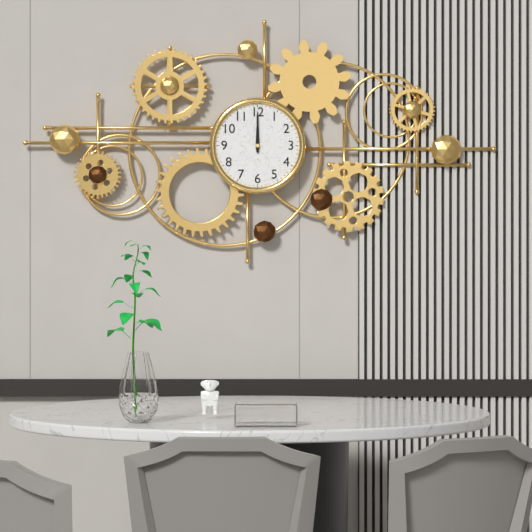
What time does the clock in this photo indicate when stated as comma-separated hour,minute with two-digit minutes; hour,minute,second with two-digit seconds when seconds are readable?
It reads 12,00
